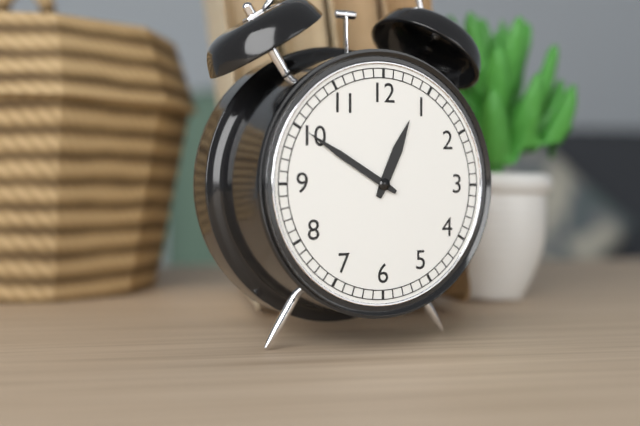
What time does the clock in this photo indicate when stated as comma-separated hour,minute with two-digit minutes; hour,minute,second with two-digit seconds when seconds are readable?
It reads 12,50
